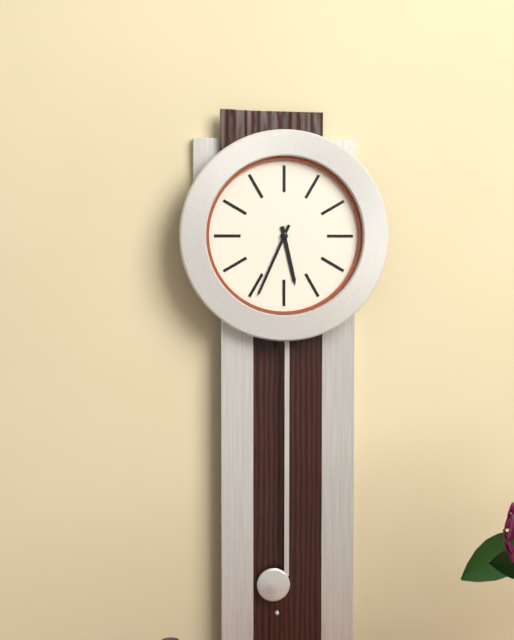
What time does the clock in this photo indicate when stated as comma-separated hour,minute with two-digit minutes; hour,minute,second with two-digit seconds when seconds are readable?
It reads 5,34
